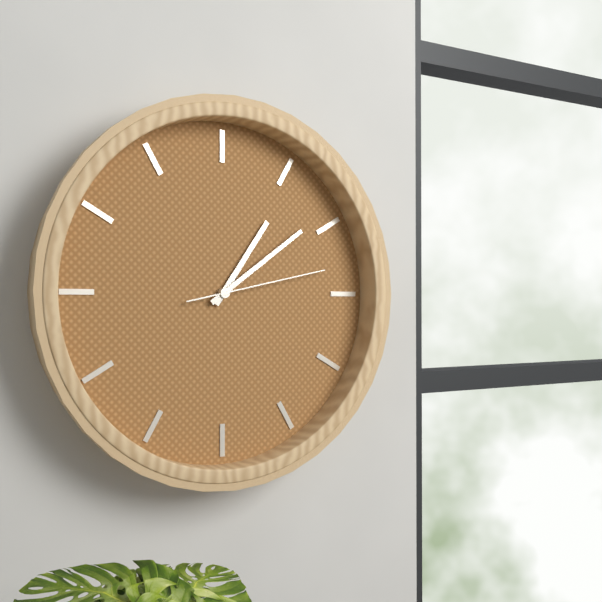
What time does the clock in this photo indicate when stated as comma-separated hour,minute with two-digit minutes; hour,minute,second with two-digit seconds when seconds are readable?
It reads 1,09,13
